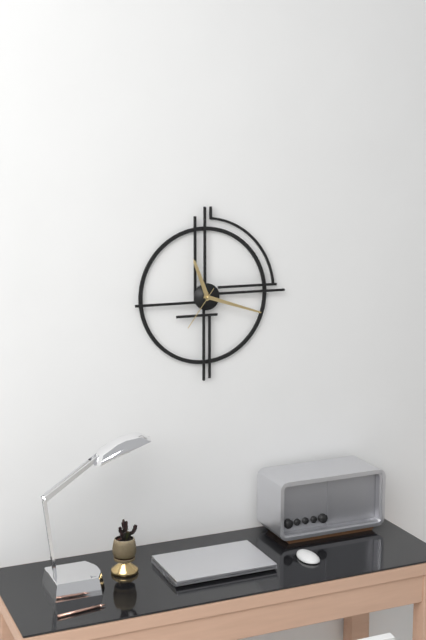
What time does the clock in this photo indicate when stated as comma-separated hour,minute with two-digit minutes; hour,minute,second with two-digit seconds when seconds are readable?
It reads 11,18
